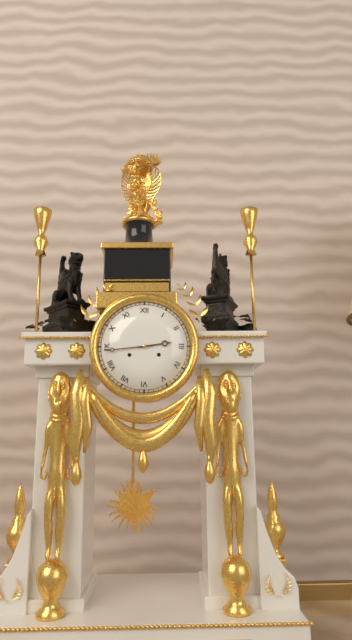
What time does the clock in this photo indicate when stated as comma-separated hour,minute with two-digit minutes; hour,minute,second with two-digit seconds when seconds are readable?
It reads 2,44
